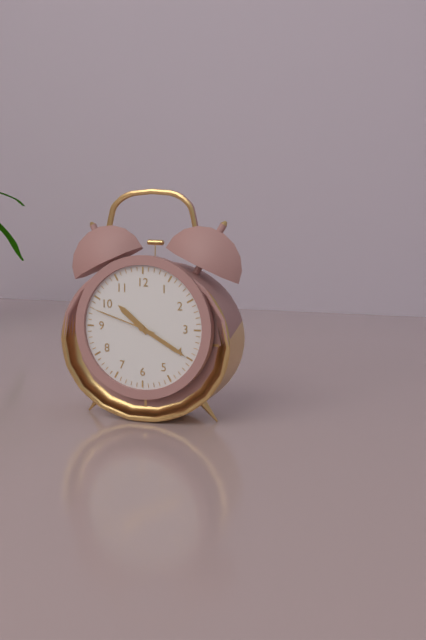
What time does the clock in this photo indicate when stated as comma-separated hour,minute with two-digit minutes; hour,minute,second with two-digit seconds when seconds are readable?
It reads 10,20,48
